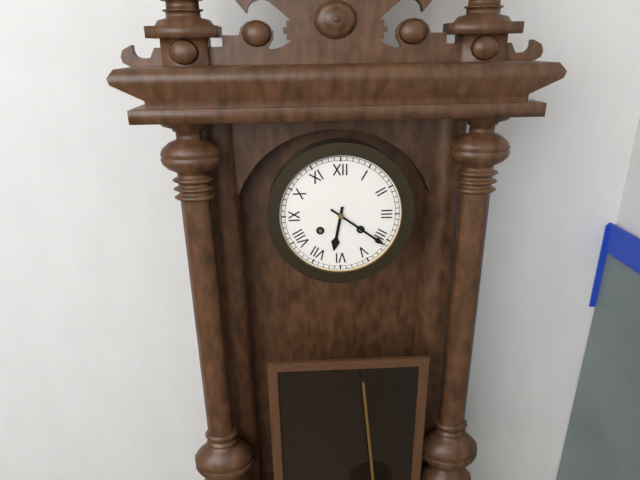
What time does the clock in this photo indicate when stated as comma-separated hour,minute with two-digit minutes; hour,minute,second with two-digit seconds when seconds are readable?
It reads 6,21
